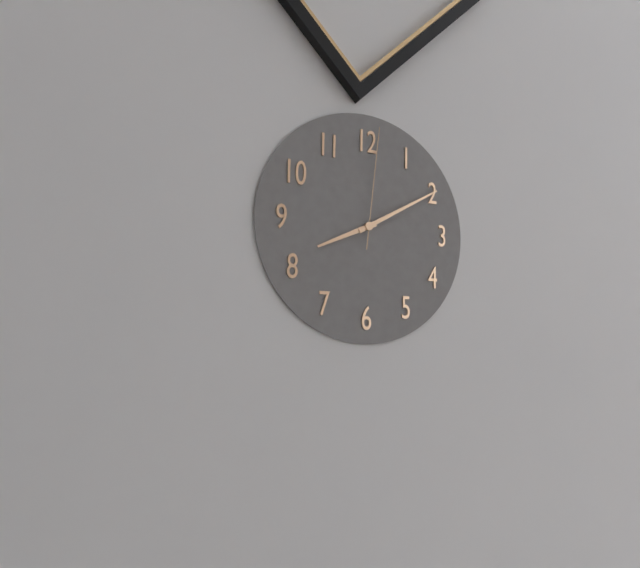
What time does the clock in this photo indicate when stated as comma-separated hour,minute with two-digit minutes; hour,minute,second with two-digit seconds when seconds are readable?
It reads 8,10,01
